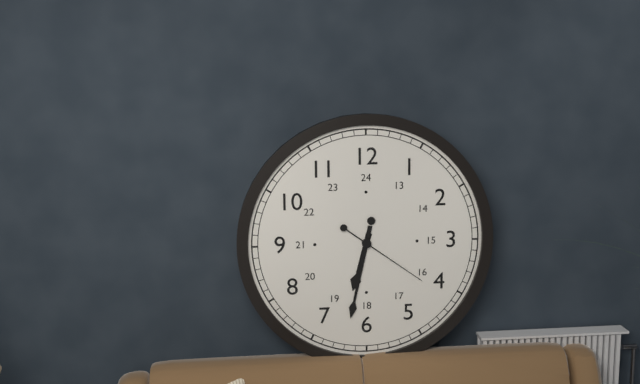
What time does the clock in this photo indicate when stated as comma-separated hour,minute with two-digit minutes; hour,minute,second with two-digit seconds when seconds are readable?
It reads 6,32,21
